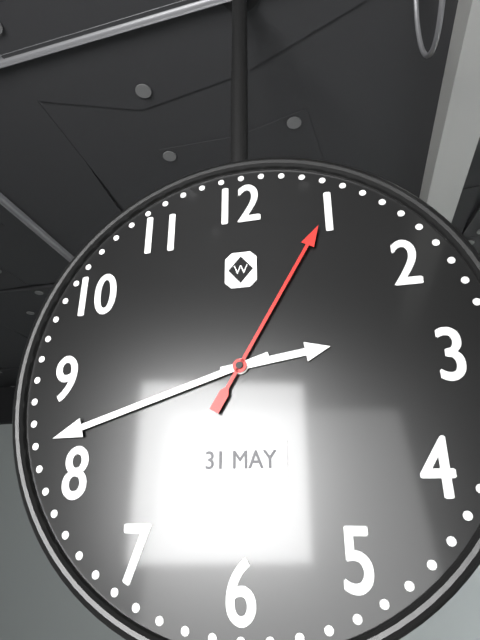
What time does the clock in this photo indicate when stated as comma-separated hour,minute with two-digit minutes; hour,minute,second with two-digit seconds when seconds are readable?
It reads 2,42,05
